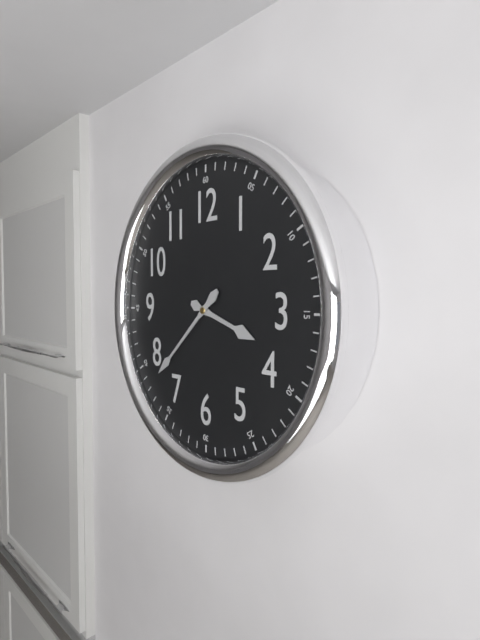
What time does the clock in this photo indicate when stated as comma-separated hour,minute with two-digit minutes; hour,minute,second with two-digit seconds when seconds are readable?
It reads 3,38
